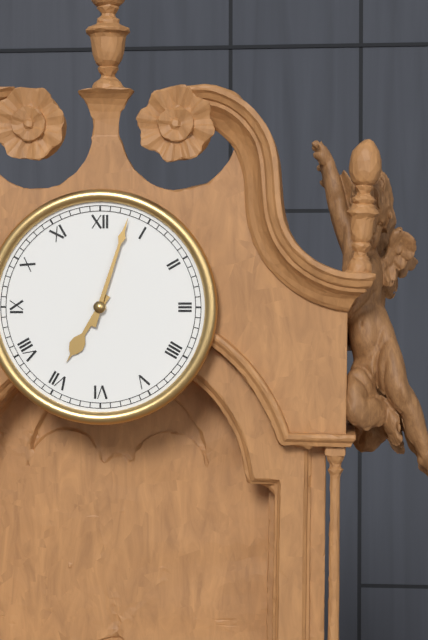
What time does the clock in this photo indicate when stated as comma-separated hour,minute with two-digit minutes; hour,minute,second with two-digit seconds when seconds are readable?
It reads 7,03
